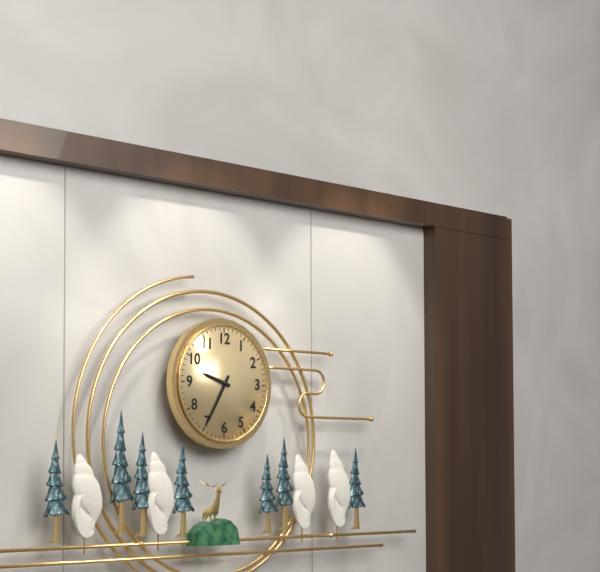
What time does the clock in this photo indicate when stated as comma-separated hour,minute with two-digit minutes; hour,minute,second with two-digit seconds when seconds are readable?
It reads 9,35
